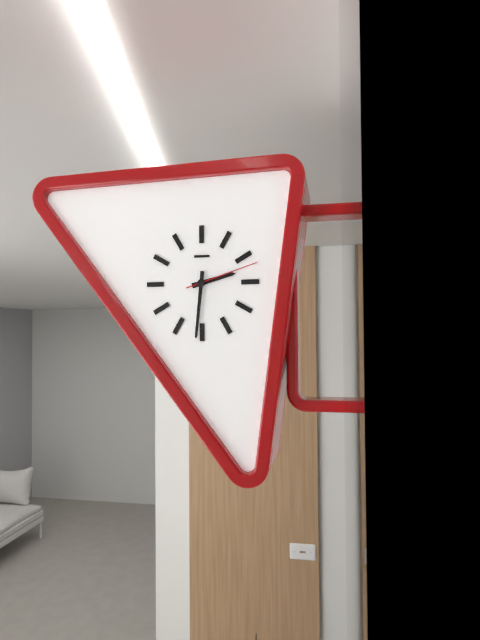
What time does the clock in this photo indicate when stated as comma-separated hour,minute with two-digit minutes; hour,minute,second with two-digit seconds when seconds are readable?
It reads 2,31,12
